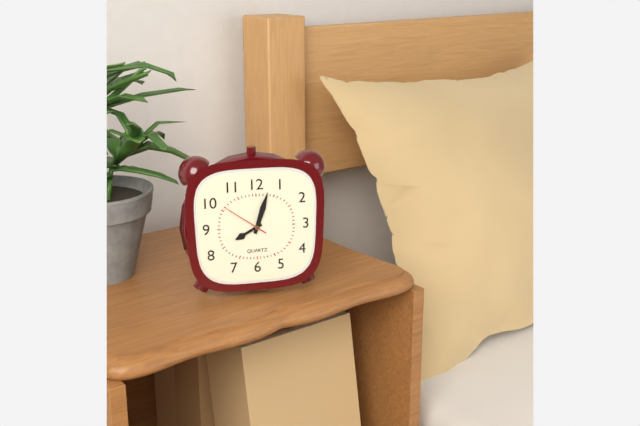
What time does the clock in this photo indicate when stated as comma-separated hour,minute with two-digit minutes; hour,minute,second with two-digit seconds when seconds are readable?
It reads 8,03
